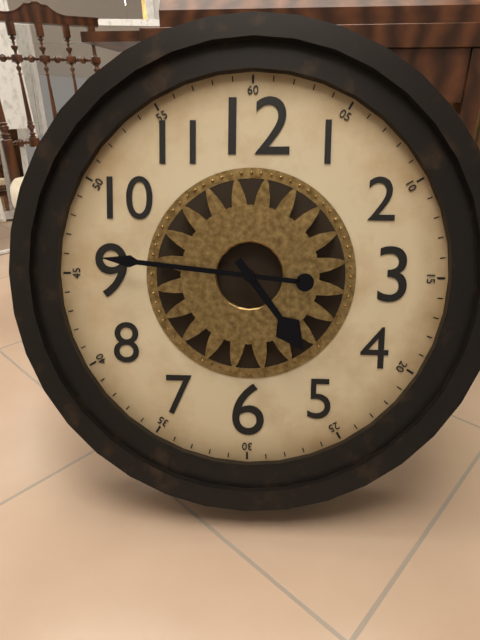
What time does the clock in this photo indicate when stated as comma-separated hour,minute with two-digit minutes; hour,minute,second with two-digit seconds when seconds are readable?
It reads 4,46
